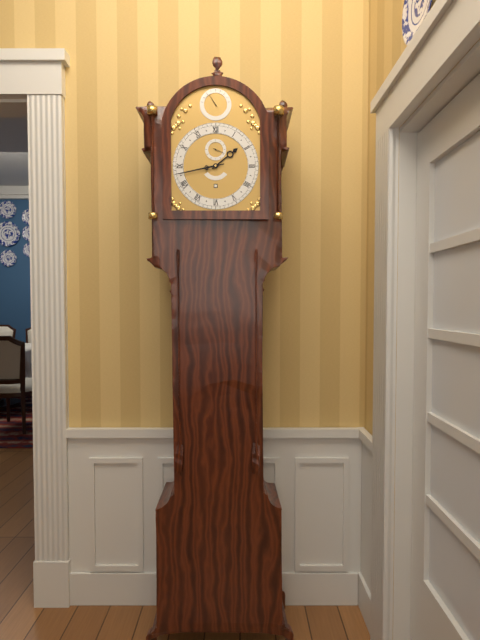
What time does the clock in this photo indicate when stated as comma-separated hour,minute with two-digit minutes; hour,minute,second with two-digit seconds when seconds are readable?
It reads 1,43
